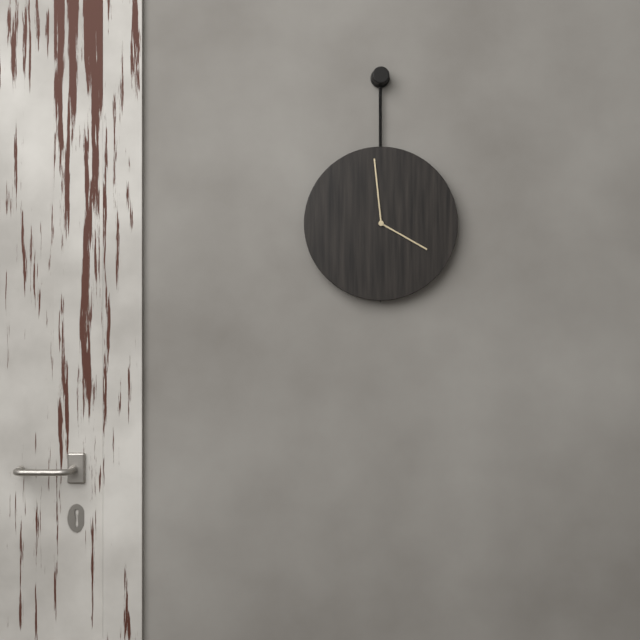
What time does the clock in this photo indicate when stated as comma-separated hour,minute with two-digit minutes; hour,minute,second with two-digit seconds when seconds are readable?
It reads 3,59
